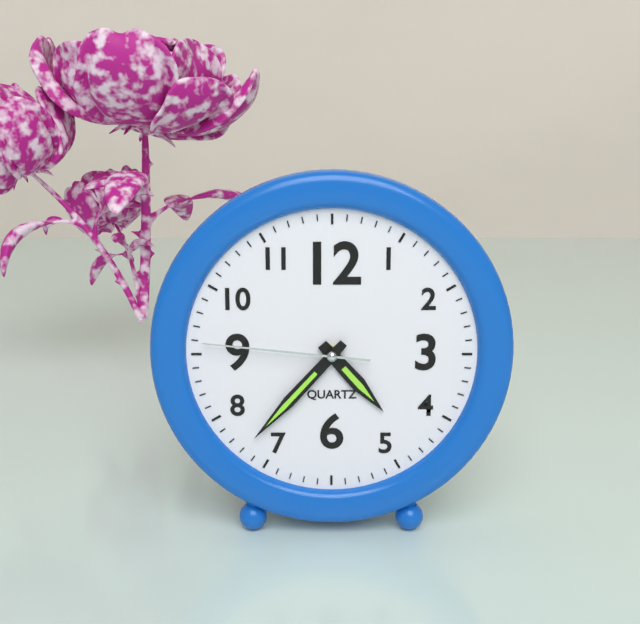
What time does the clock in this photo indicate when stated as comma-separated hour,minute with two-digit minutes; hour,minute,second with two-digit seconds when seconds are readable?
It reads 4,37,46
